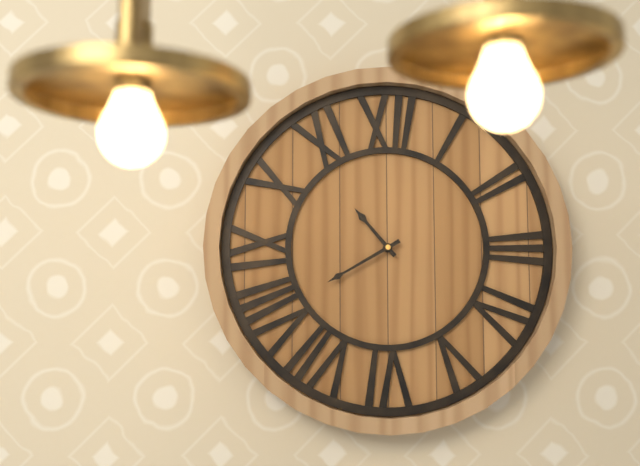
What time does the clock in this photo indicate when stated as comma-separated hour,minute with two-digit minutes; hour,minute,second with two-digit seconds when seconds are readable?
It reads 10,40
